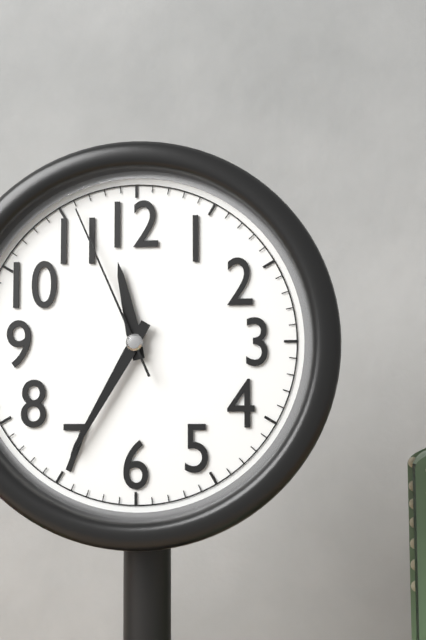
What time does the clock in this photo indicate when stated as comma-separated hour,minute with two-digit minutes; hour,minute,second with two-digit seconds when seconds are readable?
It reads 11,35,56
